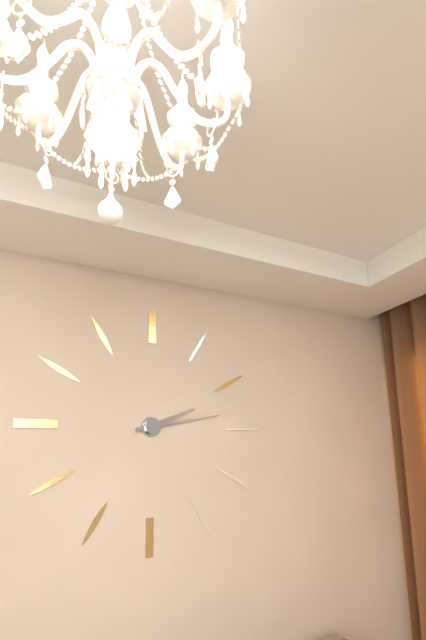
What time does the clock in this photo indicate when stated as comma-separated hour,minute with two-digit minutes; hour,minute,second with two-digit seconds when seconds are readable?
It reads 2,13
